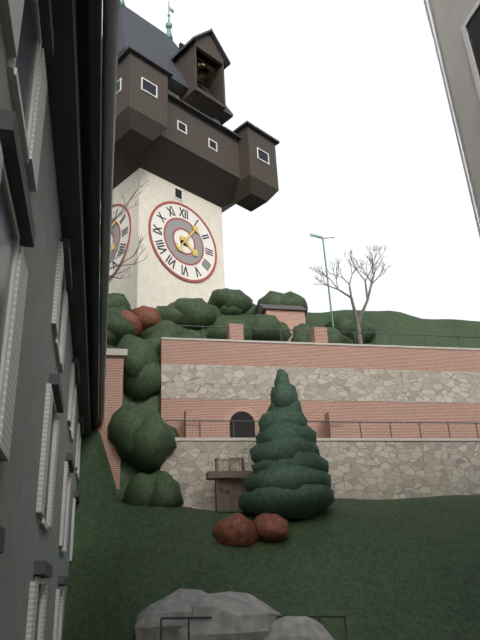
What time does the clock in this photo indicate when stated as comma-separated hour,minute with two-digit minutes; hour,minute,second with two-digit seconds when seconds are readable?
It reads 4,06
